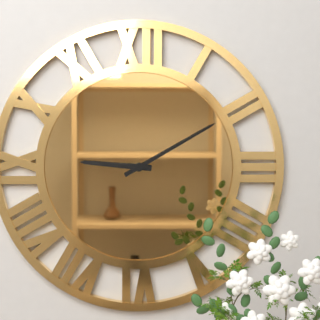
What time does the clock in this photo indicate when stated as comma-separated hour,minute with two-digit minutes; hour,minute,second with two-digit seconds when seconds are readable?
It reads 9,10
